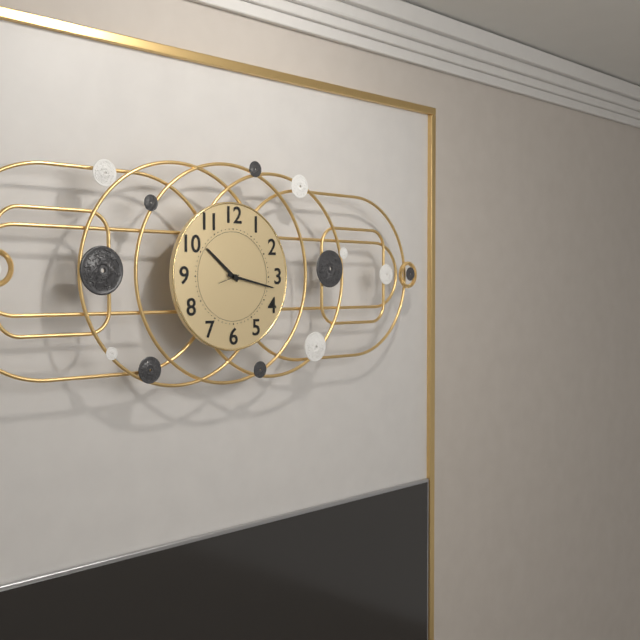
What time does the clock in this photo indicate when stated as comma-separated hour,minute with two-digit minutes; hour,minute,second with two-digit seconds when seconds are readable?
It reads 10,17
